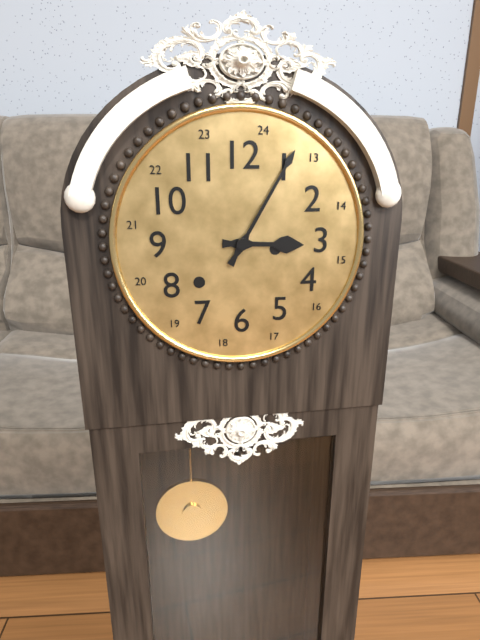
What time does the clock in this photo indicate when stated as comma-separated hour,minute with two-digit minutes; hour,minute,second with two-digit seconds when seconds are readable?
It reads 3,05
